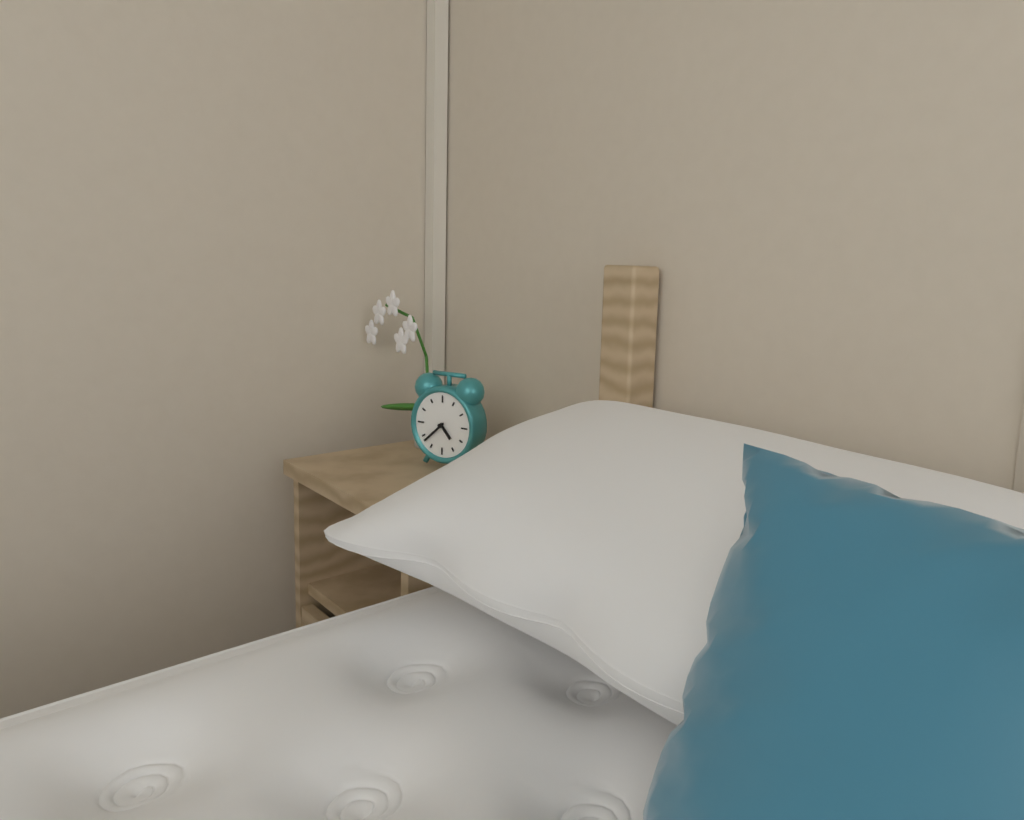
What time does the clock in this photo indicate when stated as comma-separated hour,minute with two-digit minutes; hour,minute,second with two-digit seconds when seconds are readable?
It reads 4,38
